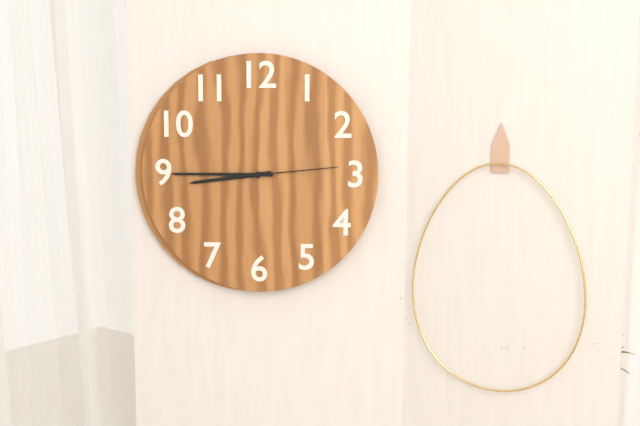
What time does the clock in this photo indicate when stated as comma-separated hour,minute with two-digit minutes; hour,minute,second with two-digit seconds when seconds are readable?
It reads 8,45,14
